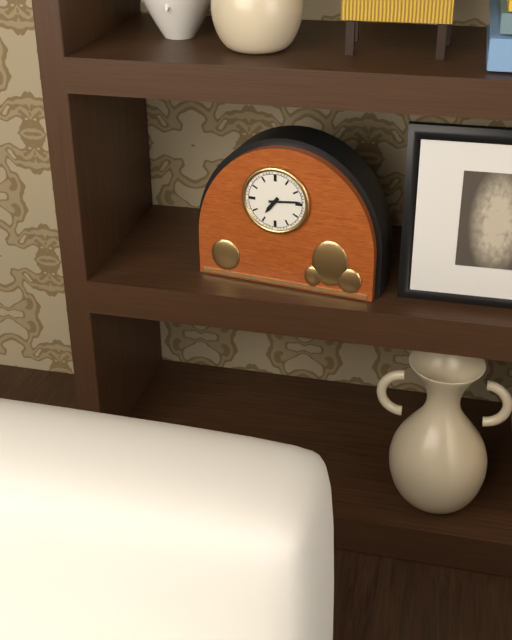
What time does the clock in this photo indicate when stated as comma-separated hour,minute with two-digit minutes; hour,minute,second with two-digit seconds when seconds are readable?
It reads 7,14
